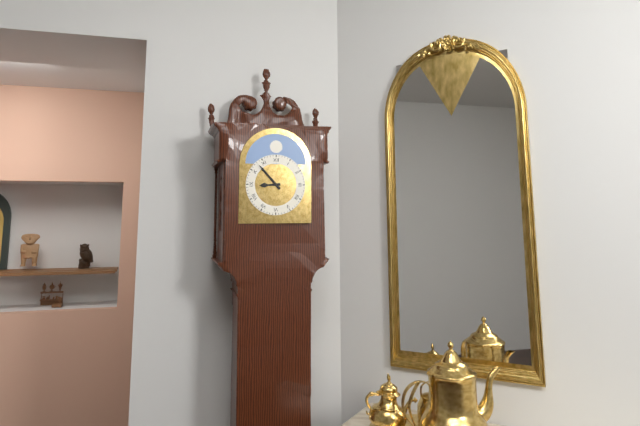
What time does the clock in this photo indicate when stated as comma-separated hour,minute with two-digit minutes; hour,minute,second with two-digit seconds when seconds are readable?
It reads 8,53
